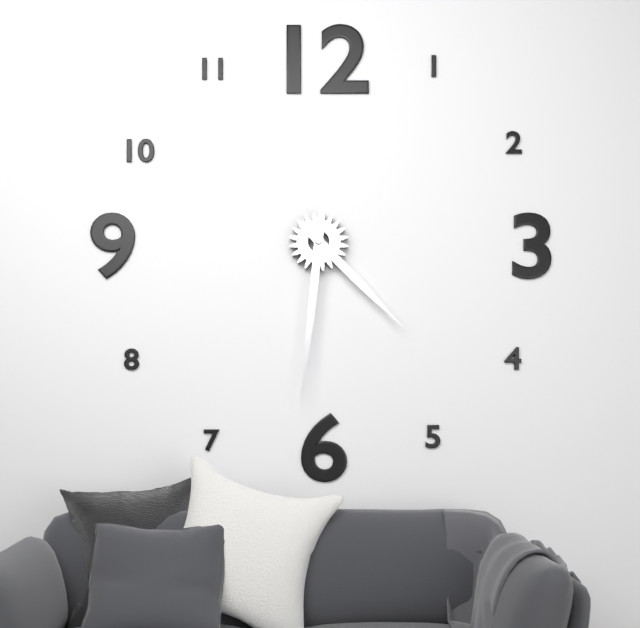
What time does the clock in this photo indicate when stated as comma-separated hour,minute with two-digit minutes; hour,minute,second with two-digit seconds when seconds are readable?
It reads 4,31
